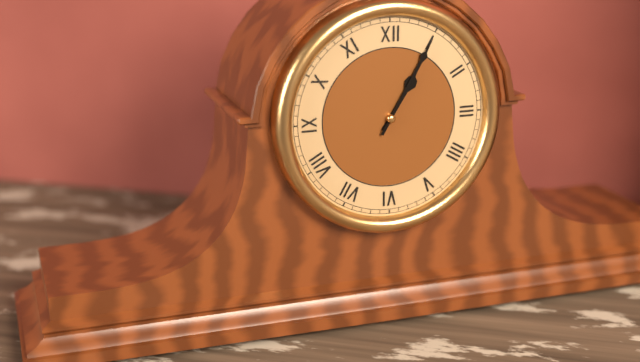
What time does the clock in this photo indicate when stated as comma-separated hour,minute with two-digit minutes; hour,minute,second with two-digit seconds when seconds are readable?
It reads 1,05
